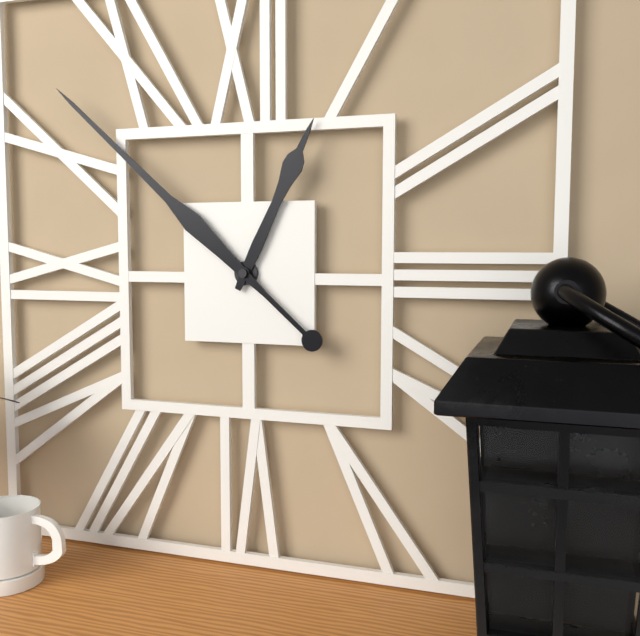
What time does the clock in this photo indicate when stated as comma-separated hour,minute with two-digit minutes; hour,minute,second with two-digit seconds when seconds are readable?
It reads 12,52
